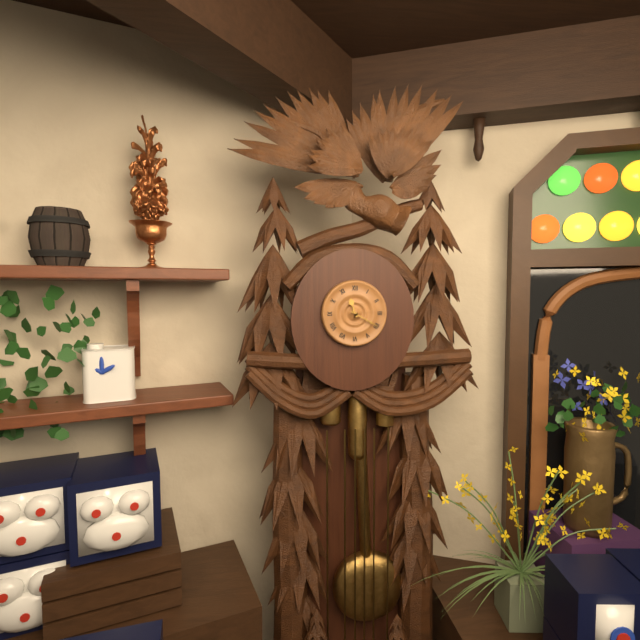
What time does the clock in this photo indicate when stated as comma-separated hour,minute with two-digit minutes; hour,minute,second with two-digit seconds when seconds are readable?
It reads 11,20
